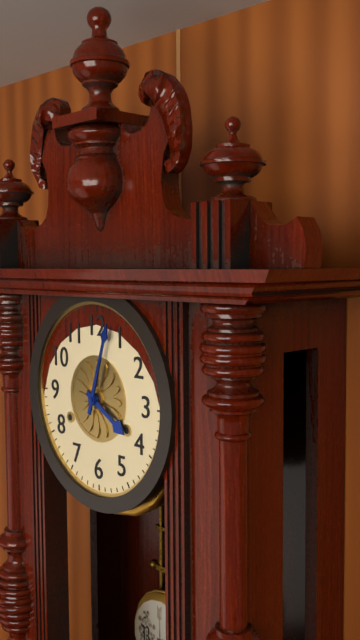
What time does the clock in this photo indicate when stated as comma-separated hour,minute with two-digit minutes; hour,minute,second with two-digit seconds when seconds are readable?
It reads 4,03
